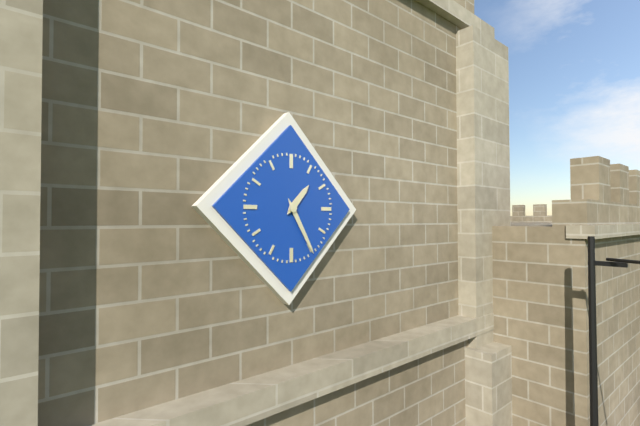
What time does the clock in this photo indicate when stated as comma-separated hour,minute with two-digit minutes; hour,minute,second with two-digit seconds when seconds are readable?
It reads 1,25
